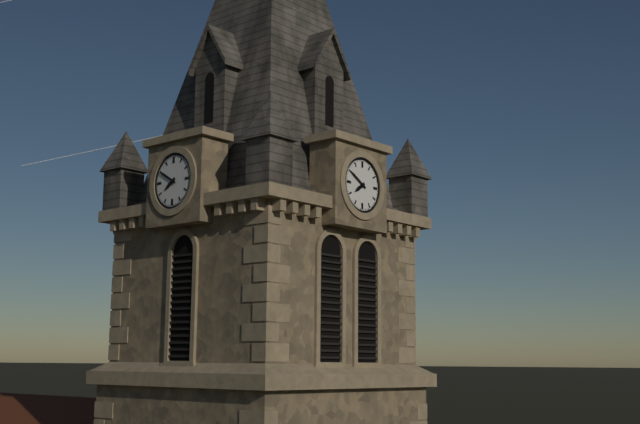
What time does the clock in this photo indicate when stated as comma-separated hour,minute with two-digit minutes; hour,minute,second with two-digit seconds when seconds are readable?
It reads 7,50
